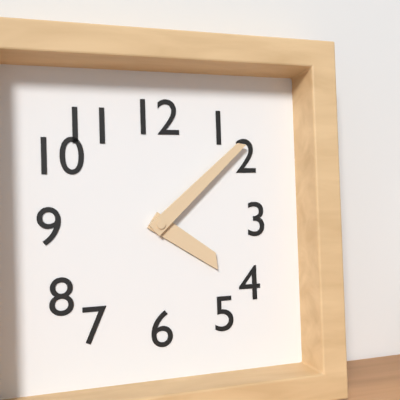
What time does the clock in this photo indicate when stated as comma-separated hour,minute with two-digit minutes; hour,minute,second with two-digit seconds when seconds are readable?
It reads 4,08
